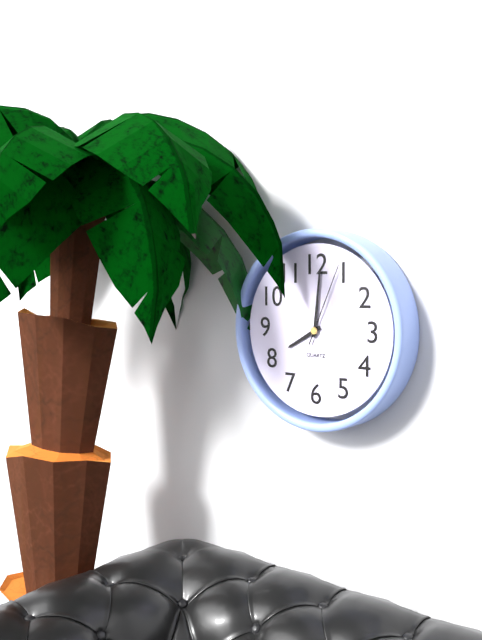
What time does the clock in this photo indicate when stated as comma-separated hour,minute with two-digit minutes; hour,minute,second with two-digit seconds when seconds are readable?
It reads 8,01,04
